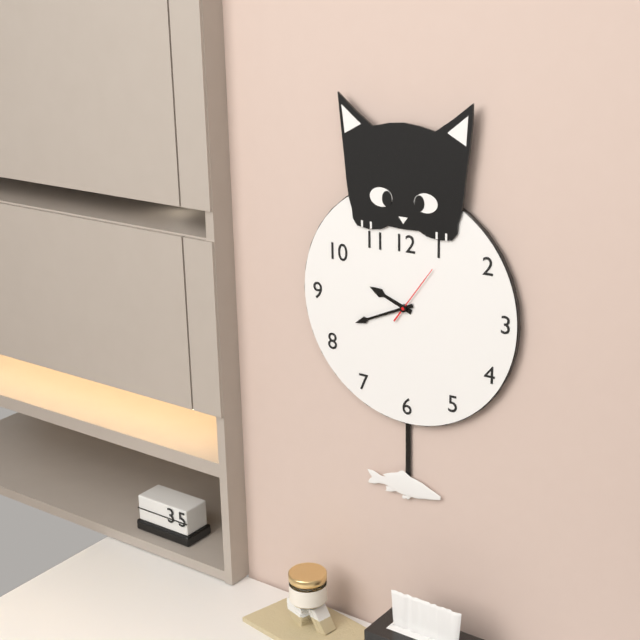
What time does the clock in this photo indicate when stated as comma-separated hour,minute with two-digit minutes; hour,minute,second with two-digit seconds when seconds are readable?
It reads 9,41,06
